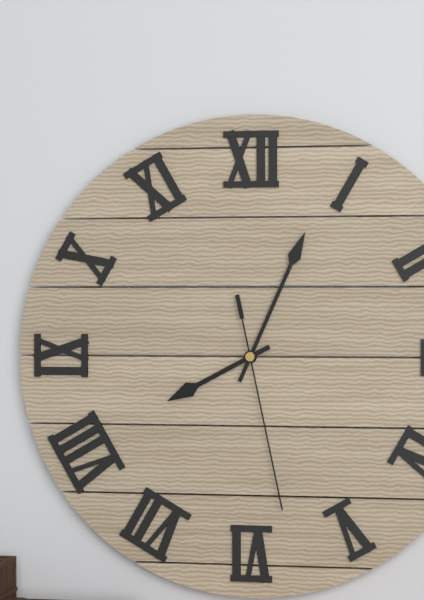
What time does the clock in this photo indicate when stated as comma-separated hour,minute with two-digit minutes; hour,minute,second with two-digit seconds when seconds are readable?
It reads 8,04,28
